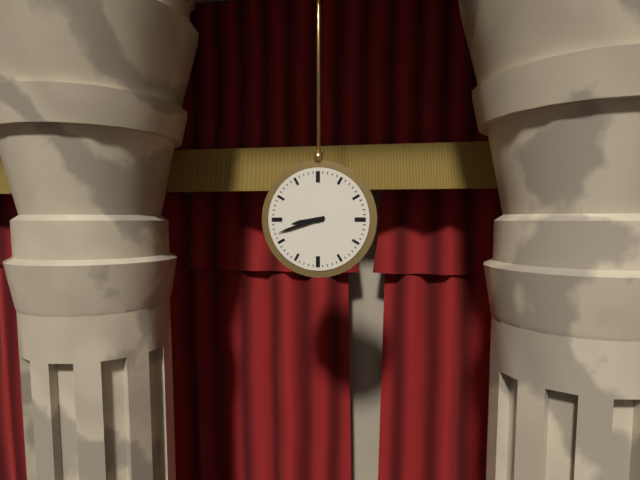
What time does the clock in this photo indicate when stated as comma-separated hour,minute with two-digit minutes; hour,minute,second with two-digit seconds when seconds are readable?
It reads 8,42
